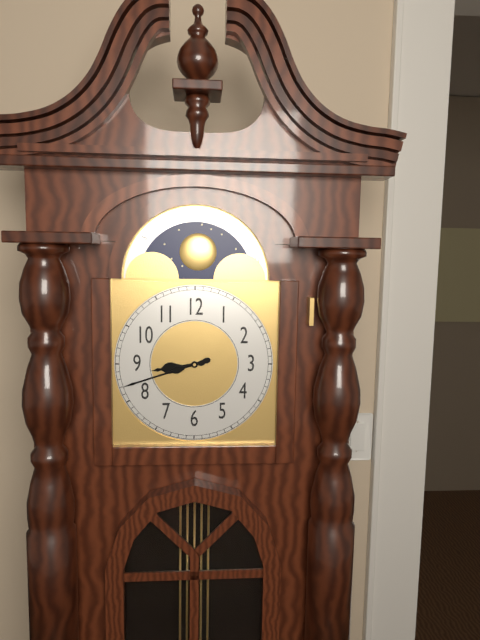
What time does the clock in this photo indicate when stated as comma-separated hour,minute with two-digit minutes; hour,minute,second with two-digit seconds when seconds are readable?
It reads 8,42
